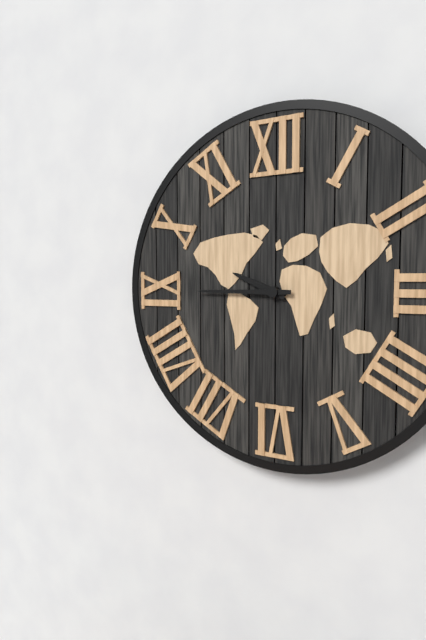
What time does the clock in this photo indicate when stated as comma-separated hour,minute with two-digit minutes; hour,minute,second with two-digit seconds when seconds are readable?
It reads 9,45
